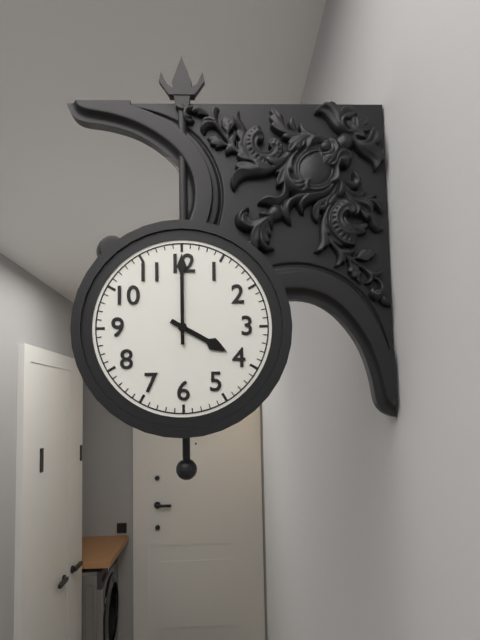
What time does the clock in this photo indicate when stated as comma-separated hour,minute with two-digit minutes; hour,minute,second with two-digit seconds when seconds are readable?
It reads 4,00
